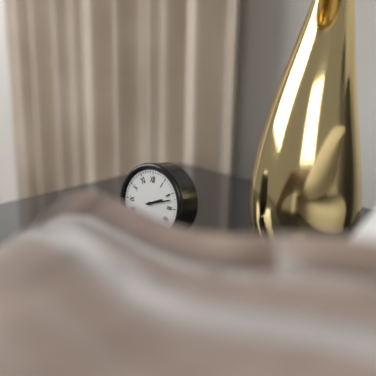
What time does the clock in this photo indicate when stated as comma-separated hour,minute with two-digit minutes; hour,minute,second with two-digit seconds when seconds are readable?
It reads 2,12
